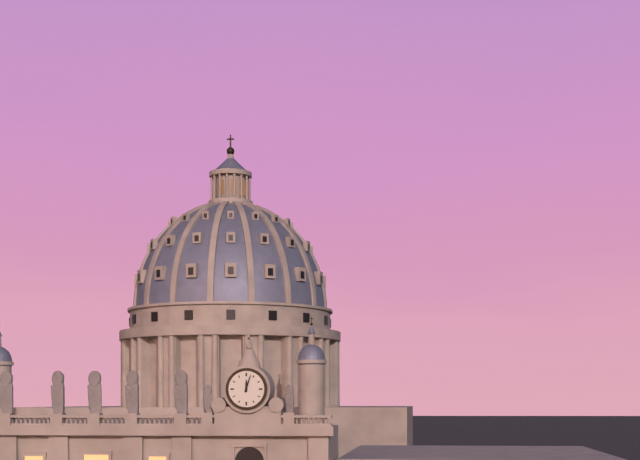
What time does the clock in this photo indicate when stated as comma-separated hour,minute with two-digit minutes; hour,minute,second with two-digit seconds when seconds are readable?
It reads 12,03
